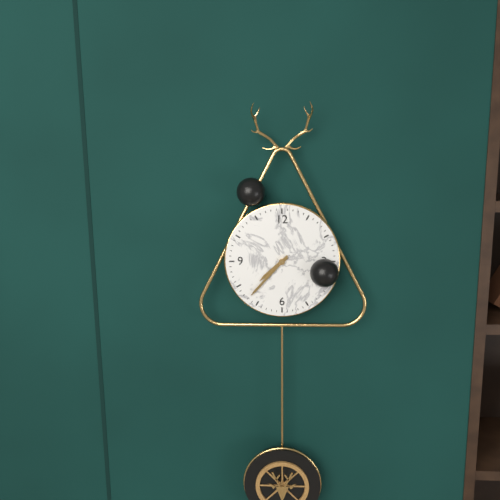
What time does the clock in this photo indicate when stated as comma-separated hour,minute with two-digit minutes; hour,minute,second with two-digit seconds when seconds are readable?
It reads 7,37
